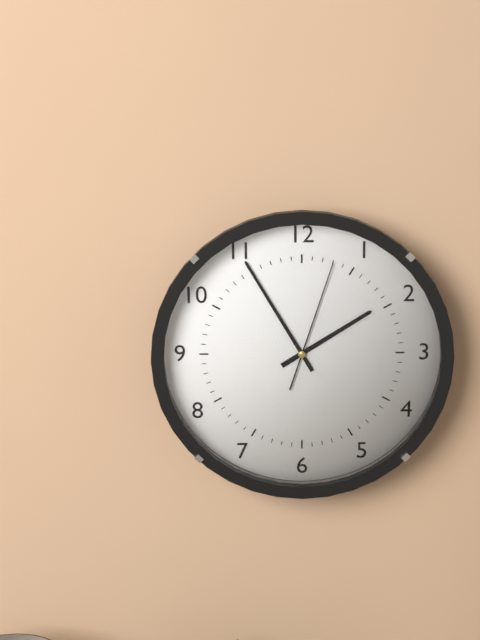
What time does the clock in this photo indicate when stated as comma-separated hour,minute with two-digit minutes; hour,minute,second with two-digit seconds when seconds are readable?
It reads 1,55,03
